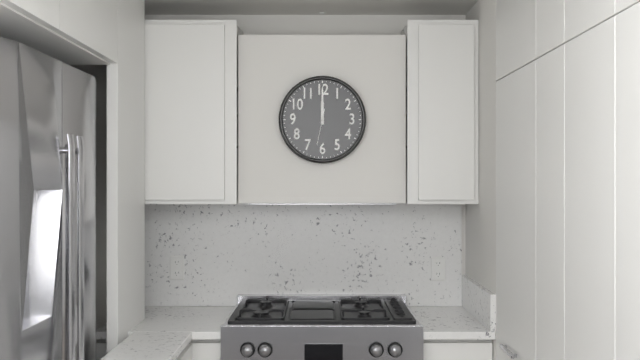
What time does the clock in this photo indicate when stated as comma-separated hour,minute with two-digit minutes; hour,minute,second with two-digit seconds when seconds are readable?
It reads 12,00
